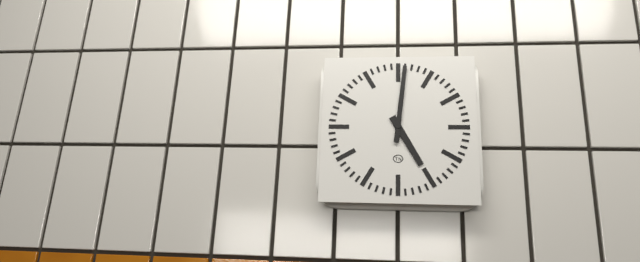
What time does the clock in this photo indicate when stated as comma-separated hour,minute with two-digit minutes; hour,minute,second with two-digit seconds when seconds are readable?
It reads 5,01
